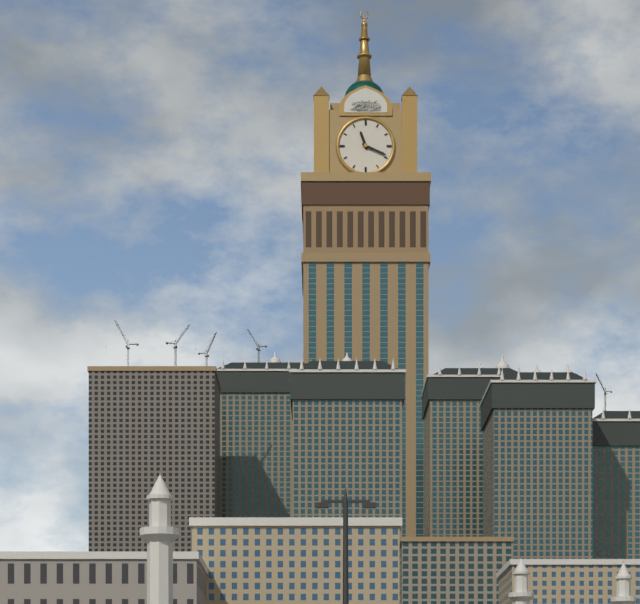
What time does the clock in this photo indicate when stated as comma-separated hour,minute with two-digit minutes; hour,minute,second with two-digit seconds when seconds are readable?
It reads 11,19
